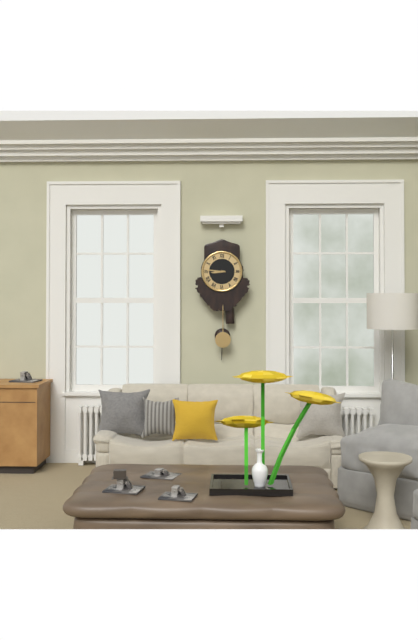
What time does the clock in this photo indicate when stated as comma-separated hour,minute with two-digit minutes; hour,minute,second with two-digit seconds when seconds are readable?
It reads 8,46
